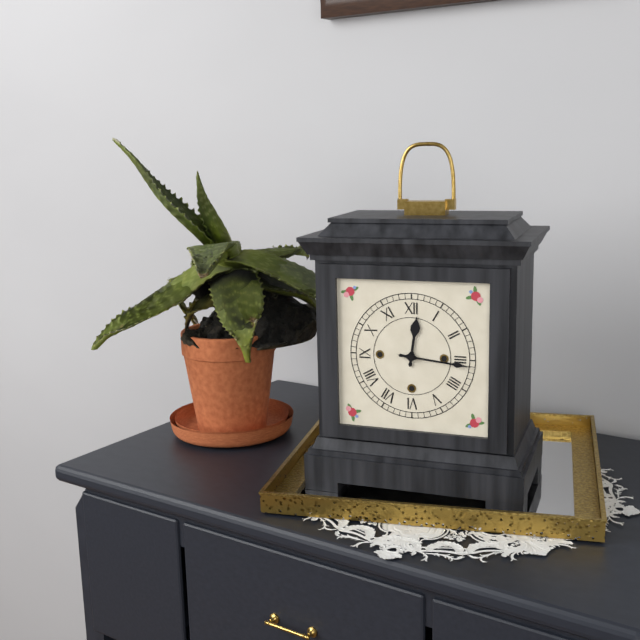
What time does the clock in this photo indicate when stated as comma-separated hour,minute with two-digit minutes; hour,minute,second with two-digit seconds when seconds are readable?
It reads 12,16
